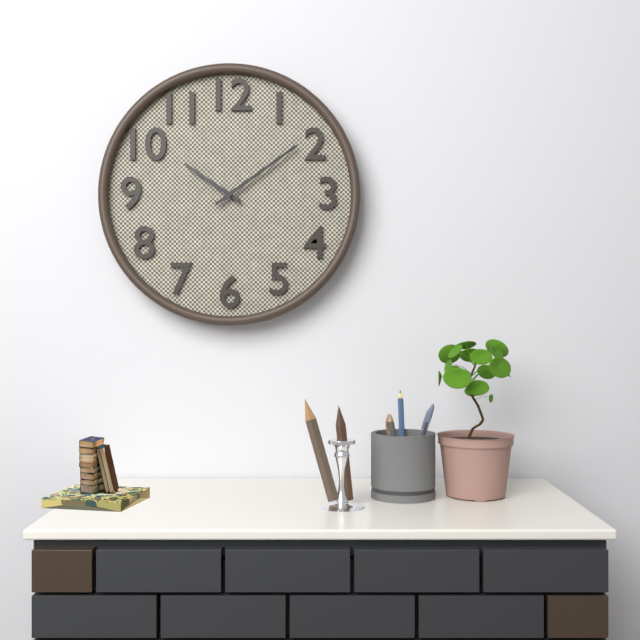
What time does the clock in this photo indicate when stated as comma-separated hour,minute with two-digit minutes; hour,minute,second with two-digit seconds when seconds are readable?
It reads 10,09
